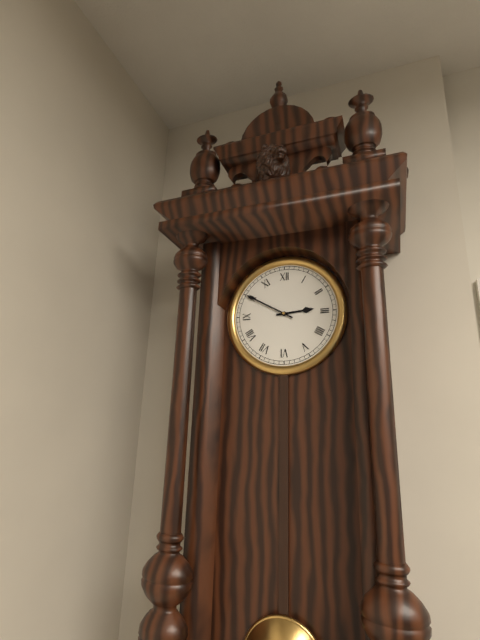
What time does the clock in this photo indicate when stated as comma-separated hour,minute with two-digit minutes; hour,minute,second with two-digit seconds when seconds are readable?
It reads 2,50
